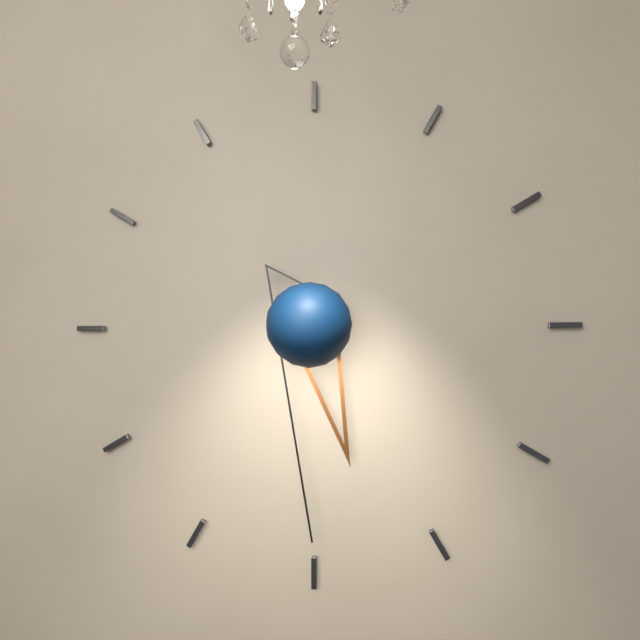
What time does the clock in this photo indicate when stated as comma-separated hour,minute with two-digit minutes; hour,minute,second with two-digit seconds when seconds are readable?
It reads 5,30
